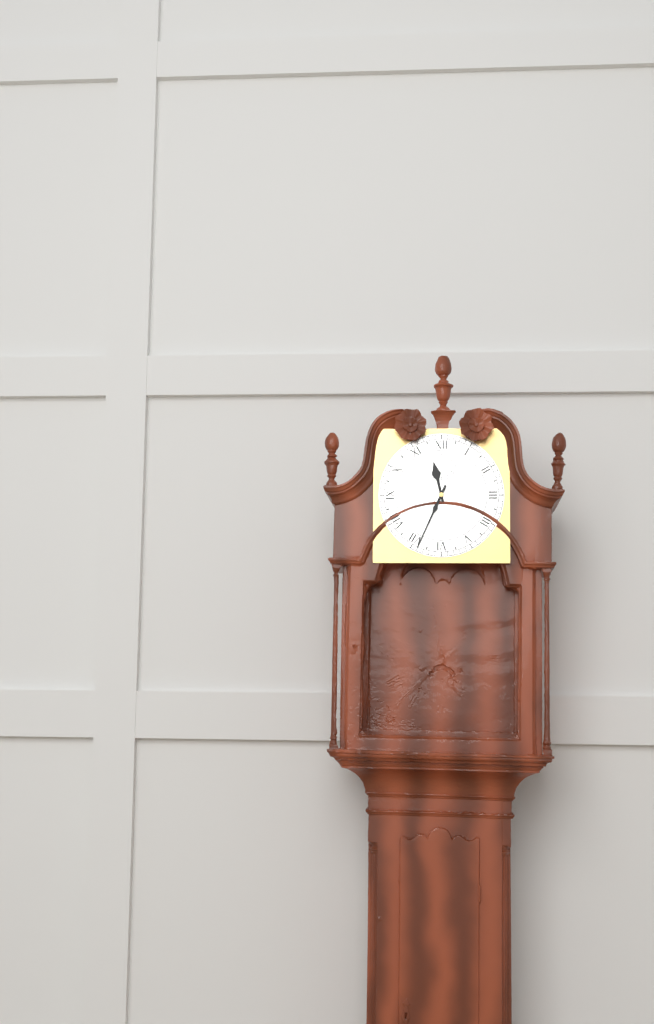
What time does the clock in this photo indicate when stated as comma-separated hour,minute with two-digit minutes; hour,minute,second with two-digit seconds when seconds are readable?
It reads 11,34
